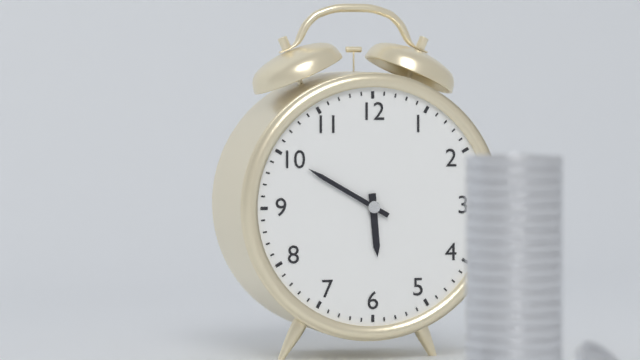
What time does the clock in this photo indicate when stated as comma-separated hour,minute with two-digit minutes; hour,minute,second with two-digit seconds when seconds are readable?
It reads 5,50
